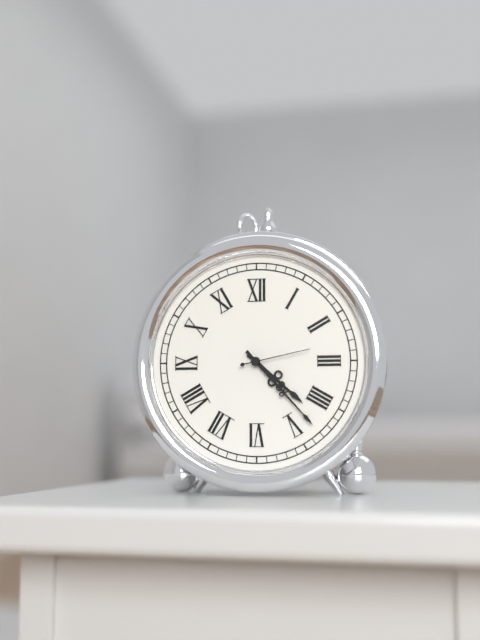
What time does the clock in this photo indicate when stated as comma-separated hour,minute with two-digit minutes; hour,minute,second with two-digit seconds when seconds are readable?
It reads 4,23,13
